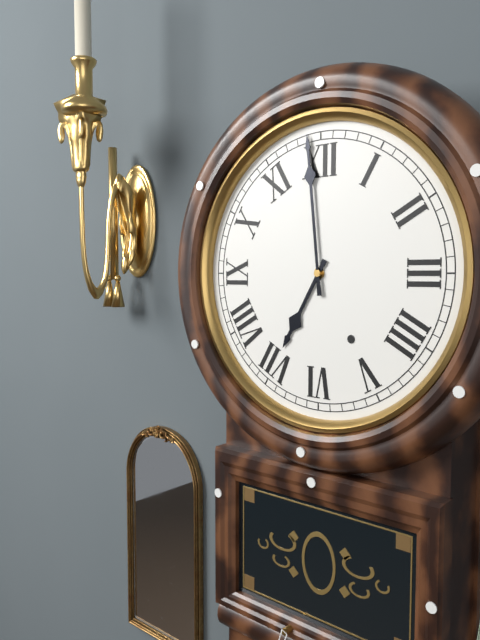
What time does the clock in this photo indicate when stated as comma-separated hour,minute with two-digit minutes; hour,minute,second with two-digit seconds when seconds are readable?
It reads 6,59
